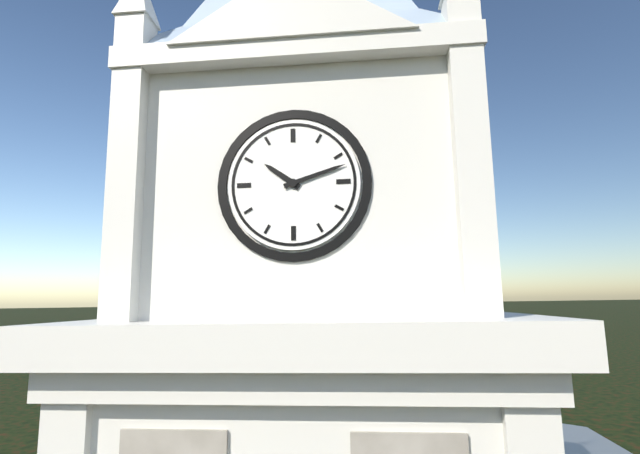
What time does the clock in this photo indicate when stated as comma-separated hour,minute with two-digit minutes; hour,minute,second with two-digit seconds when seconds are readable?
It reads 10,12
